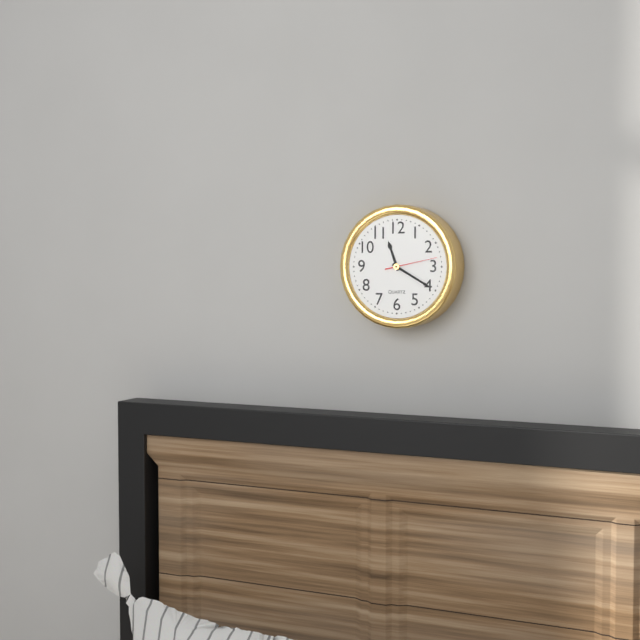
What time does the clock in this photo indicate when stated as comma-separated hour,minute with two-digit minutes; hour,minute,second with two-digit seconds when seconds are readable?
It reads 11,20,13
